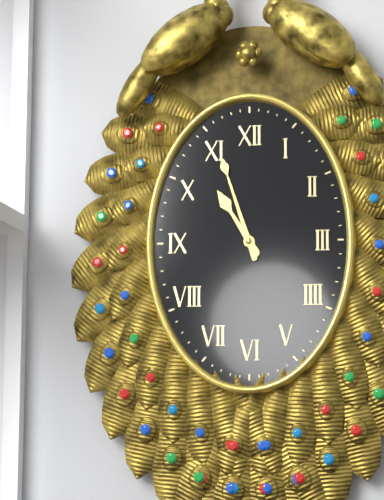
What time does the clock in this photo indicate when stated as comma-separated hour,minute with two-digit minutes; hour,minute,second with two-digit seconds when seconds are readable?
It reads 10,57
